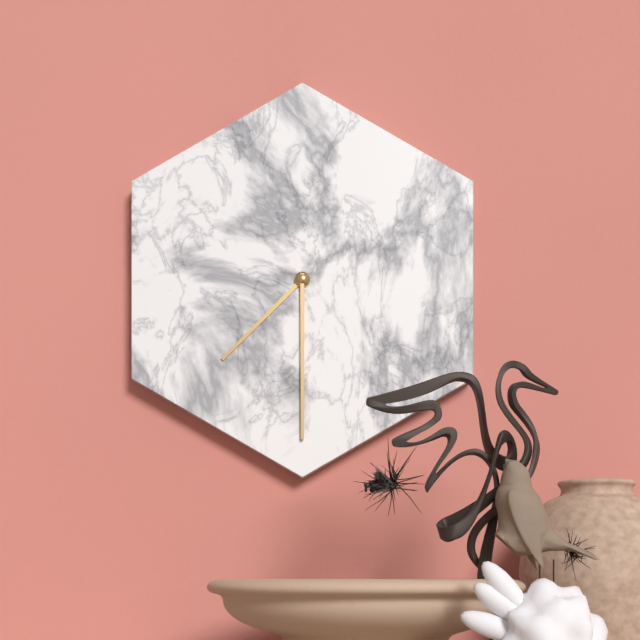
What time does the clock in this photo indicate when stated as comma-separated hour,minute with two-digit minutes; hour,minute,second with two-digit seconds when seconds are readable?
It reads 7,30
